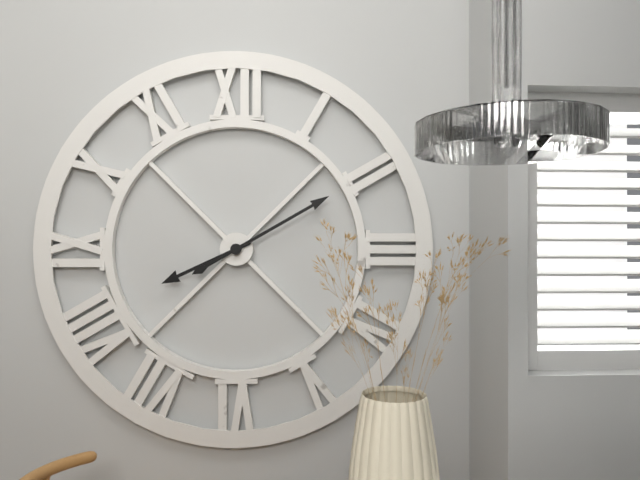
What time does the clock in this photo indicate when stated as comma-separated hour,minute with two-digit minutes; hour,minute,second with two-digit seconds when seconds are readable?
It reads 8,10
